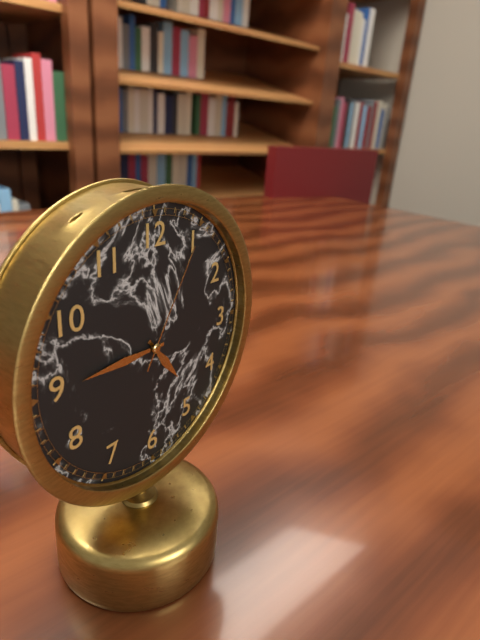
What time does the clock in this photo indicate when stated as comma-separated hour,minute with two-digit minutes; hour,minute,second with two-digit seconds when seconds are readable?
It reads 4,45,05
